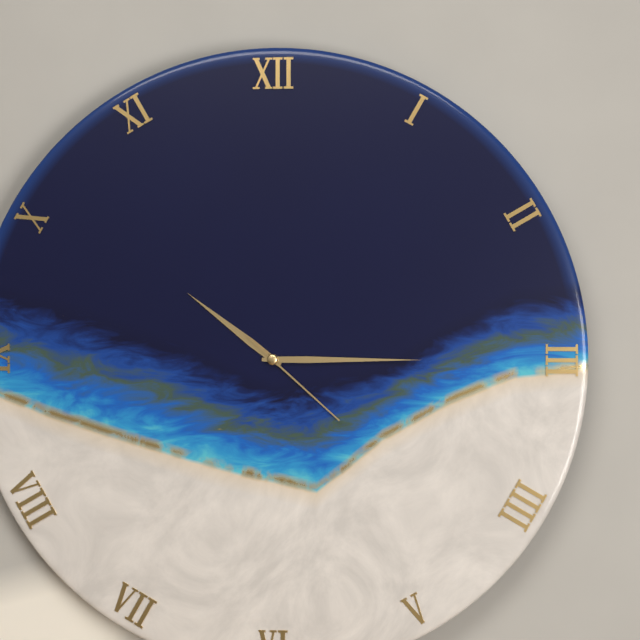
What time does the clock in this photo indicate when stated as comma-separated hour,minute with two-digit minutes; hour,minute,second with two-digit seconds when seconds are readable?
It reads 10,15,22
